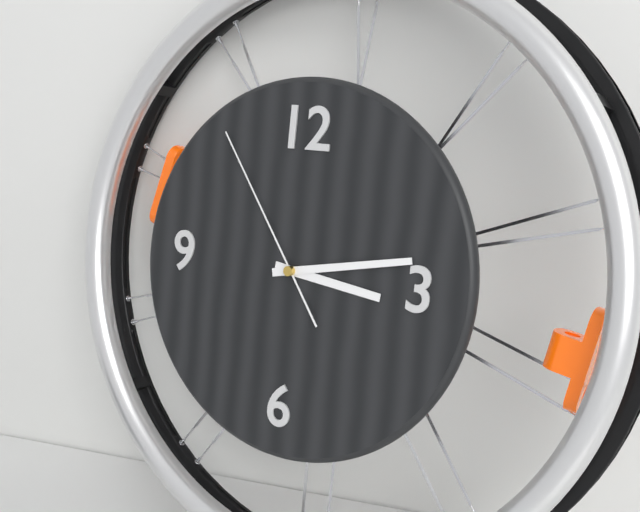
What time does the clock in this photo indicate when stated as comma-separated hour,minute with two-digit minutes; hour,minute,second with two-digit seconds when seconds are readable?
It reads 3,13,54
